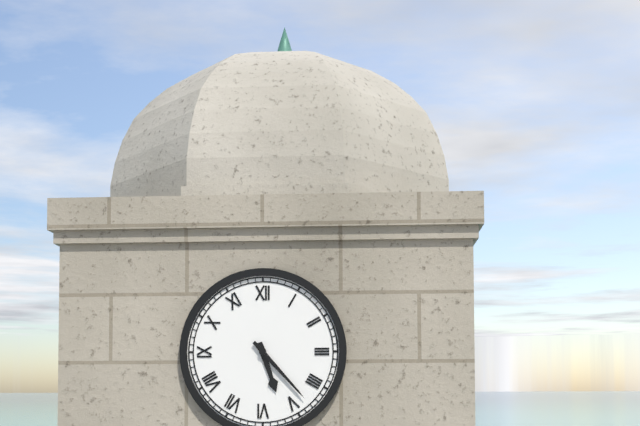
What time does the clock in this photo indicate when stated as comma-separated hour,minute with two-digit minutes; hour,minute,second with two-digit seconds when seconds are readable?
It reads 5,23
